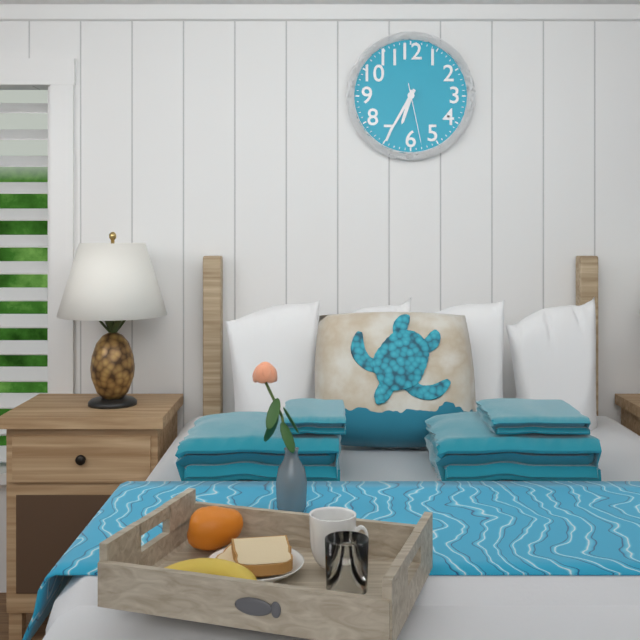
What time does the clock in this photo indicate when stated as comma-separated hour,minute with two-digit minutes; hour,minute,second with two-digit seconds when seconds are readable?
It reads 6,35,28
